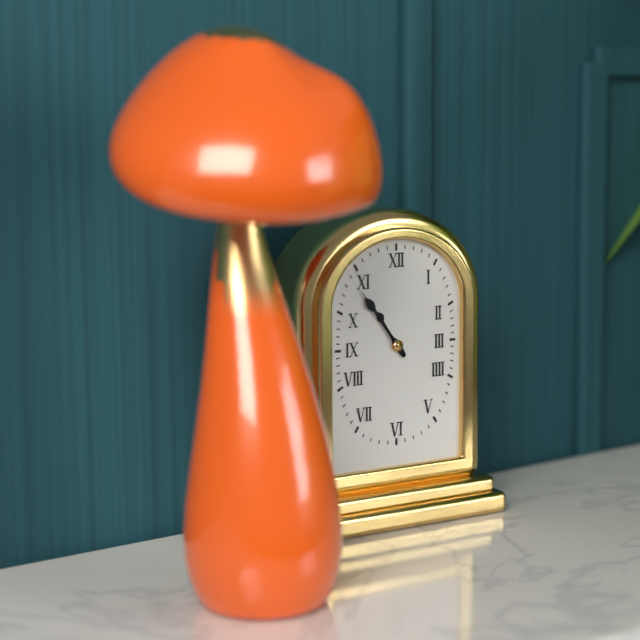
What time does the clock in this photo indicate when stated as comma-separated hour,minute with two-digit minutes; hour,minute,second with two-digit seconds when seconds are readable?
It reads 10,54
